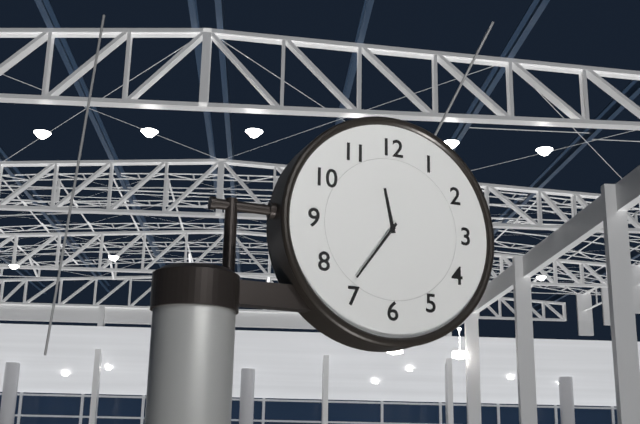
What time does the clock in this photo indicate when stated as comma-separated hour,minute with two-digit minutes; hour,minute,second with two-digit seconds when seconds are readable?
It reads 11,36
